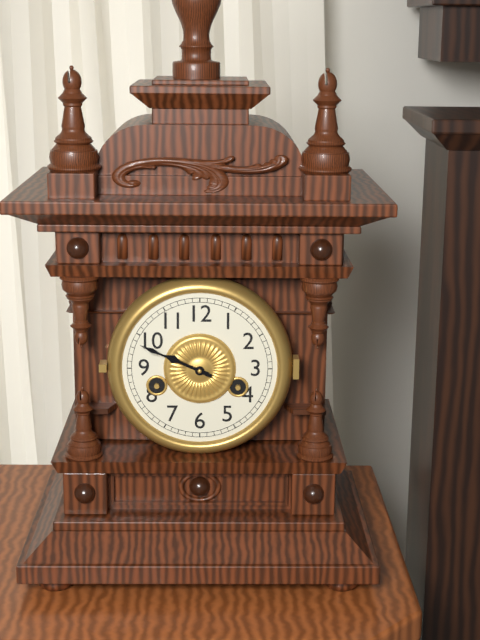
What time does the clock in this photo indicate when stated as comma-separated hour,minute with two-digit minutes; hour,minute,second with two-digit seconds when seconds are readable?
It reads 9,49
